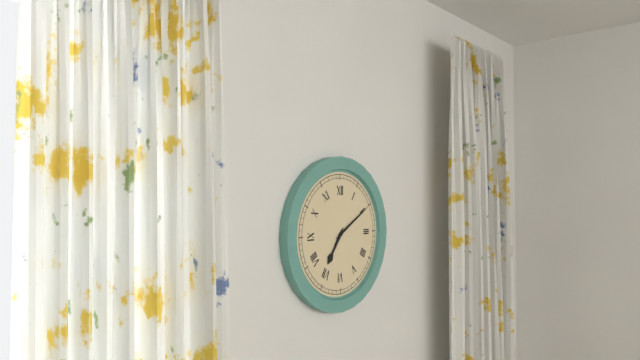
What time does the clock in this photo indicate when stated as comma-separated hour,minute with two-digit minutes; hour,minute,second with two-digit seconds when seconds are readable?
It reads 7,10
